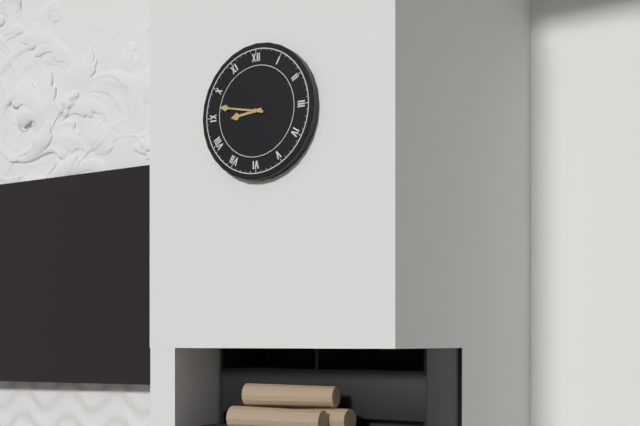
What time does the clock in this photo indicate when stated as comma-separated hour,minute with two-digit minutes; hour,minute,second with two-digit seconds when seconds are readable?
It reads 8,47
